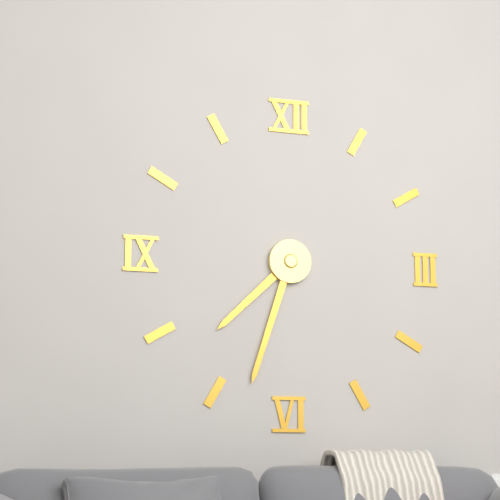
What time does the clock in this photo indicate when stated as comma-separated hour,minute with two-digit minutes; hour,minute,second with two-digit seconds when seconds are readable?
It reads 7,33
